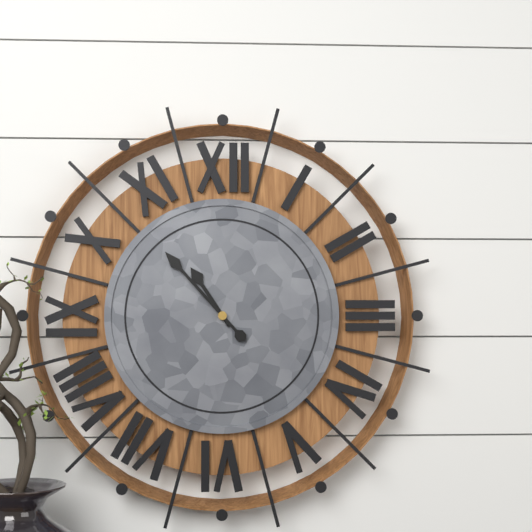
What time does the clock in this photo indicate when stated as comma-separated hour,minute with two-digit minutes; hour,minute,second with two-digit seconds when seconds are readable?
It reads 10,53
